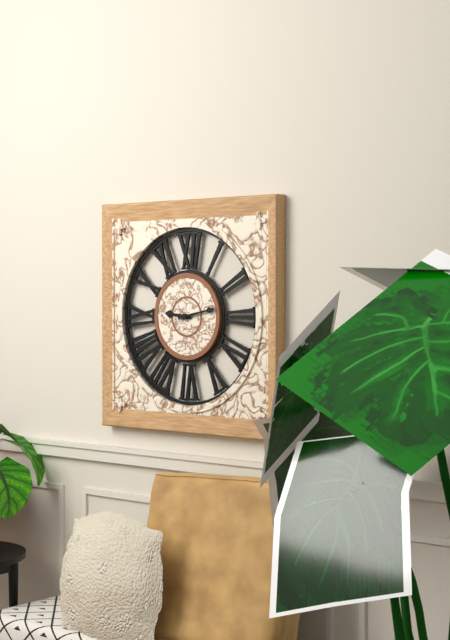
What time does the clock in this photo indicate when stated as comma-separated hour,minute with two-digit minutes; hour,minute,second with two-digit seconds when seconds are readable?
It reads 9,13
